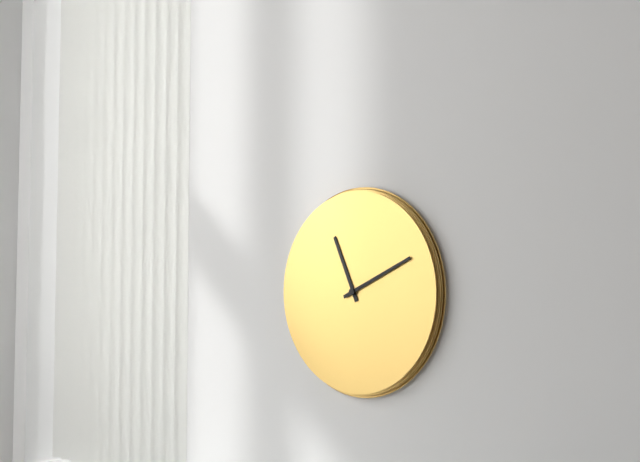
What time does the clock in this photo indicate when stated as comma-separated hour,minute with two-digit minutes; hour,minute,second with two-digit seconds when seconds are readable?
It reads 11,11
